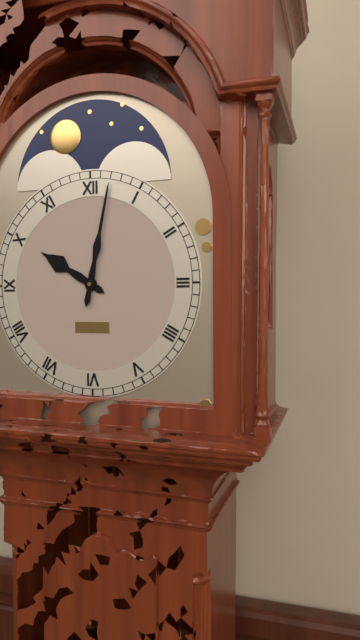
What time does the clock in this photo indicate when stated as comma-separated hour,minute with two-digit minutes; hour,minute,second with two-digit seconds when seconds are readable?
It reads 10,02
